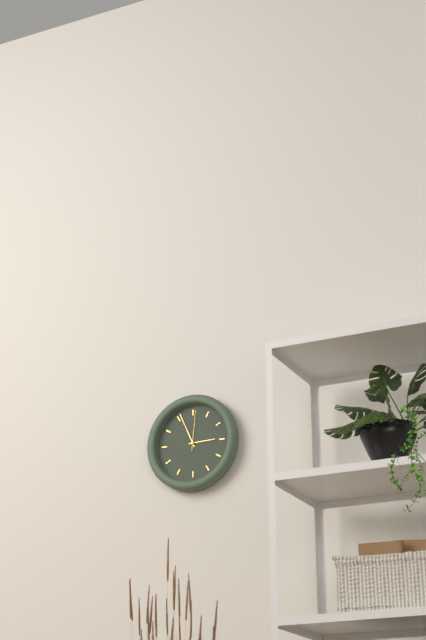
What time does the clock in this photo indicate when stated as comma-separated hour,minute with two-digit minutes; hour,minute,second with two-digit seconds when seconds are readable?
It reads 2,56
